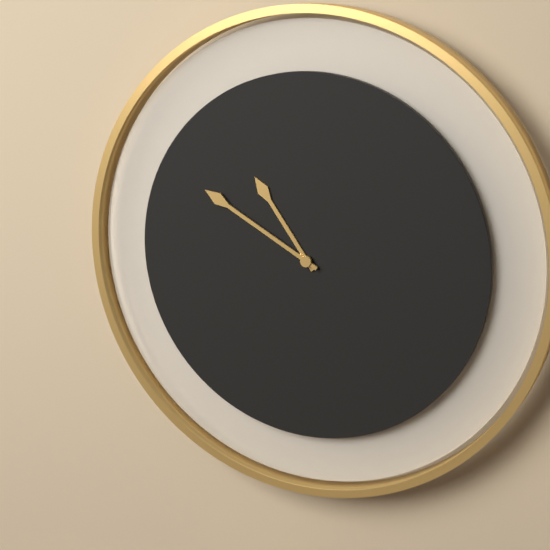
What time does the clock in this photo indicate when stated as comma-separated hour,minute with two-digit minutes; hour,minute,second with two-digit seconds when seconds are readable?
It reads 10,50
